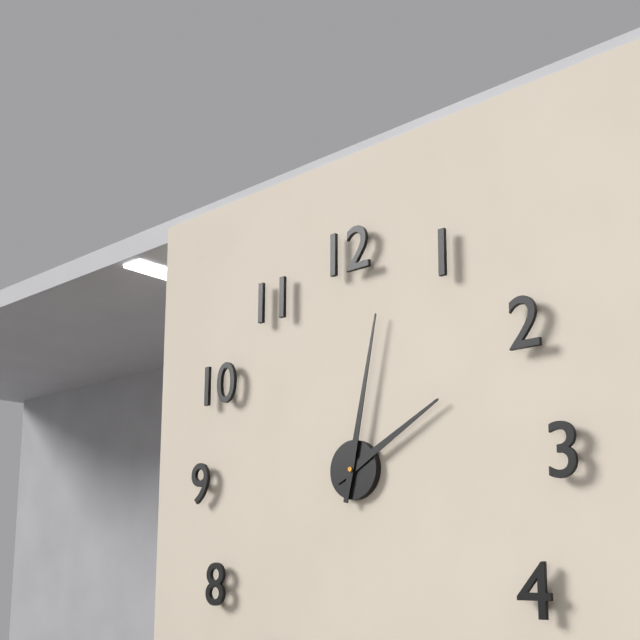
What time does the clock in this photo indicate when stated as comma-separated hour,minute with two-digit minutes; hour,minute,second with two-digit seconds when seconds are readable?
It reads 2,02
